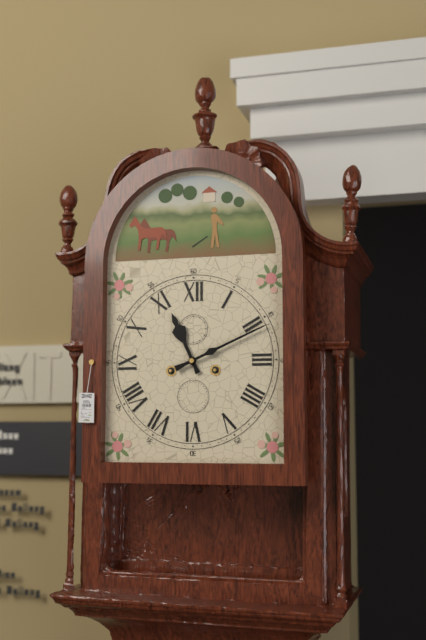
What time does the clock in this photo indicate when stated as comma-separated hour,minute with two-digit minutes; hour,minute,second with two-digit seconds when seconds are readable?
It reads 11,11
